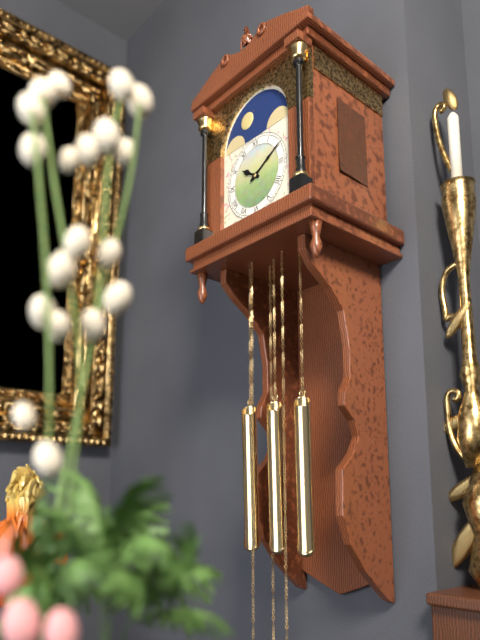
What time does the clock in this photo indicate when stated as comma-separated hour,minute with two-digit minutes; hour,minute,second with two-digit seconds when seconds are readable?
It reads 10,10
